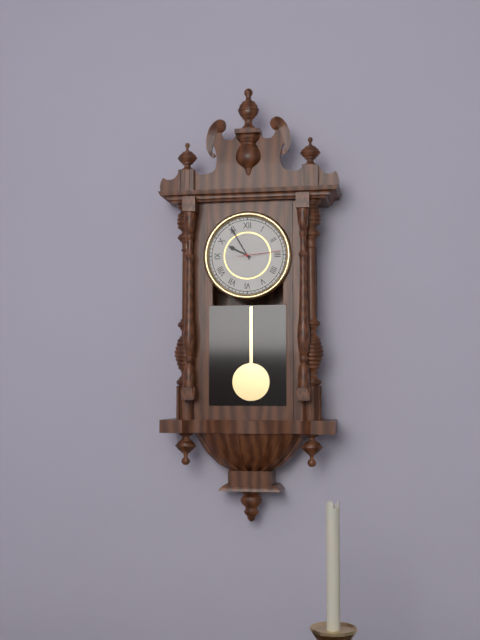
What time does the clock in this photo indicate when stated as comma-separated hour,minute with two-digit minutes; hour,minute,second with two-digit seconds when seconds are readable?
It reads 9,55
